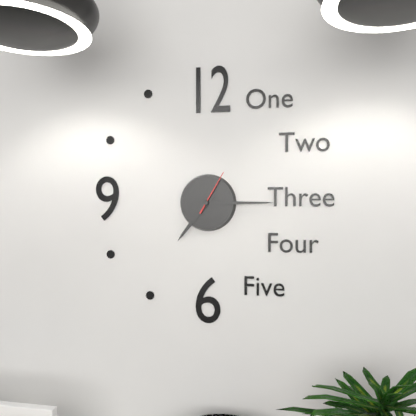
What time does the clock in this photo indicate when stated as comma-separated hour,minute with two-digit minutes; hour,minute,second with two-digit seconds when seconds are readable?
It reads 7,15
